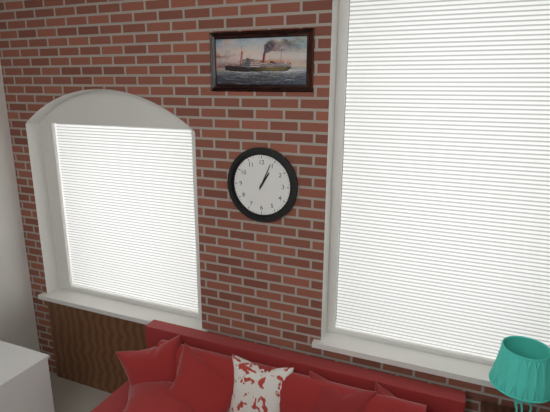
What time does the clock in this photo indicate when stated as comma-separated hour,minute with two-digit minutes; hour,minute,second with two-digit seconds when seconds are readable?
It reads 1,04
